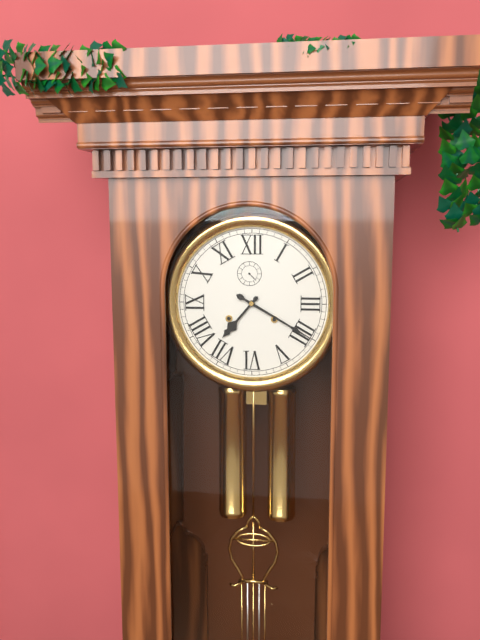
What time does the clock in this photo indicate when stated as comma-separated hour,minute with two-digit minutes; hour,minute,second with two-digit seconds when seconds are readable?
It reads 7,20
